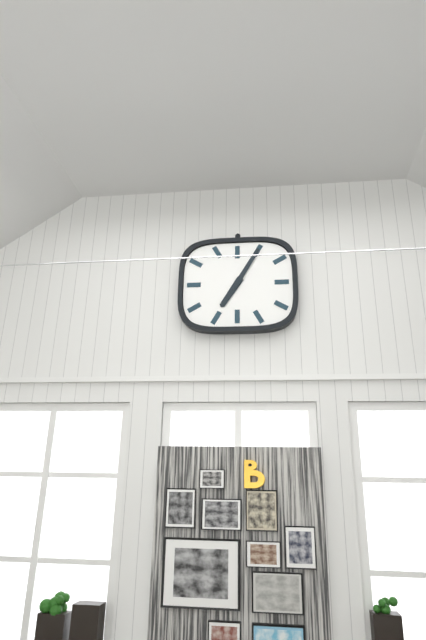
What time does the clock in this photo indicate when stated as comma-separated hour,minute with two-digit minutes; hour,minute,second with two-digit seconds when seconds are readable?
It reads 7,05
